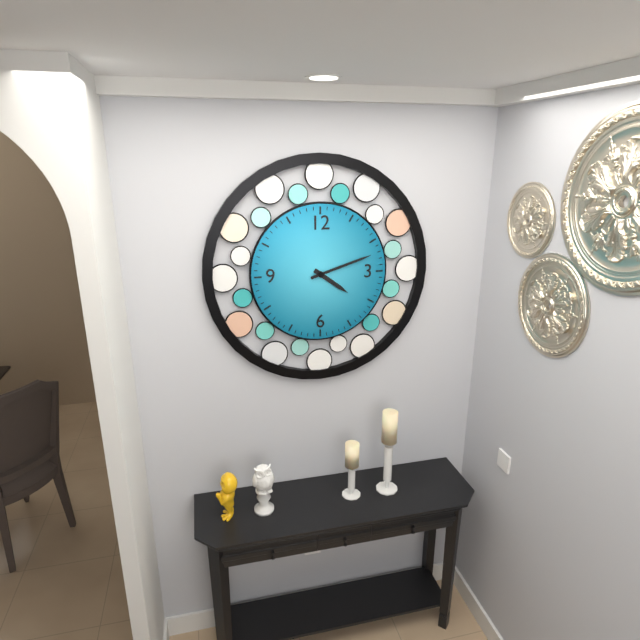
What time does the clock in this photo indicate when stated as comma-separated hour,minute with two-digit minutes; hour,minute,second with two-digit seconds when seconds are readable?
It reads 4,12
